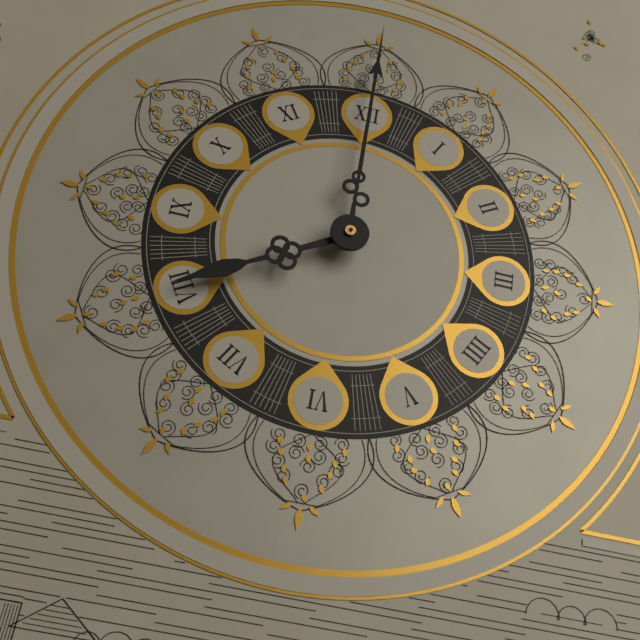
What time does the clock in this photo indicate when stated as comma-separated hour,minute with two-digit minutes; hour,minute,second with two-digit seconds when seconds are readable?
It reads 8,00
